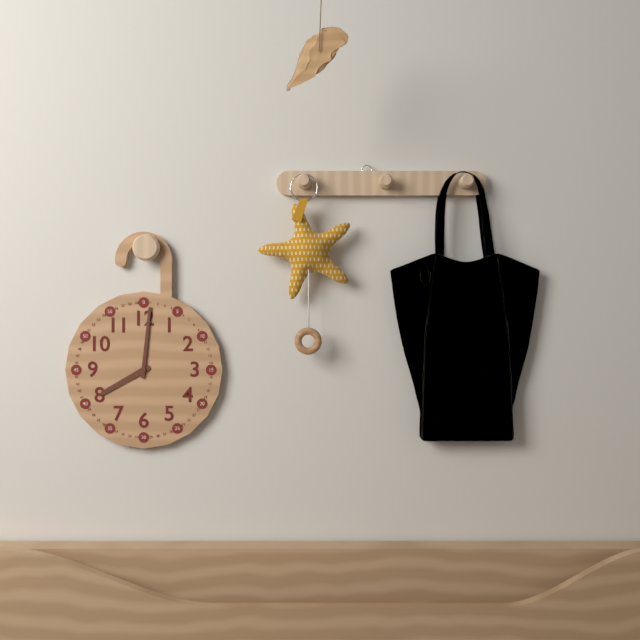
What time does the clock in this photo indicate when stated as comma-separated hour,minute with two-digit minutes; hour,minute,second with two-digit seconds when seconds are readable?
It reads 8,01
